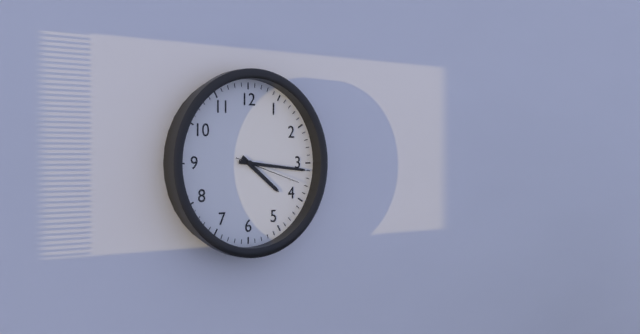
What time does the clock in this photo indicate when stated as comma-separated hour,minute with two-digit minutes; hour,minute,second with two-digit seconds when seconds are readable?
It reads 4,16,18
